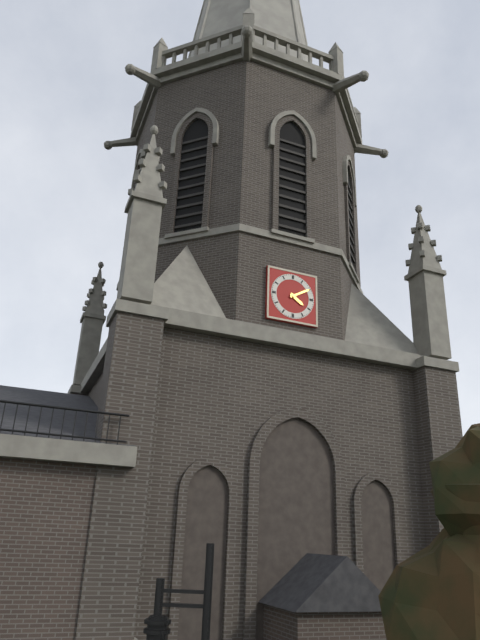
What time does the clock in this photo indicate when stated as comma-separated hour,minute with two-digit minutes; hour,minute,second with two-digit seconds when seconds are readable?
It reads 4,10
